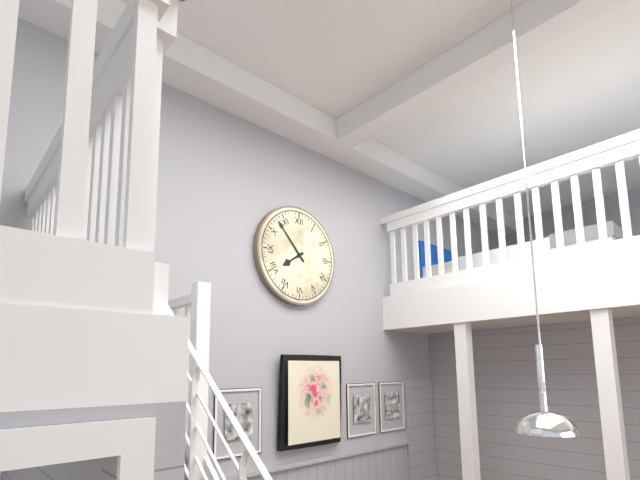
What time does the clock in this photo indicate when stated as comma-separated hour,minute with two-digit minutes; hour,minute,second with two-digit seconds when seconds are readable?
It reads 7,53
